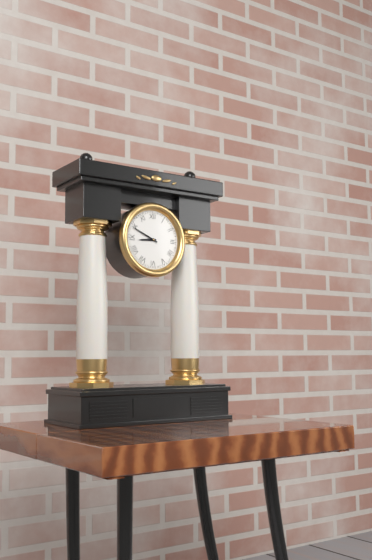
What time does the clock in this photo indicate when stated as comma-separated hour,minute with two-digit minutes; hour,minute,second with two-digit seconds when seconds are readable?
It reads 8,49
